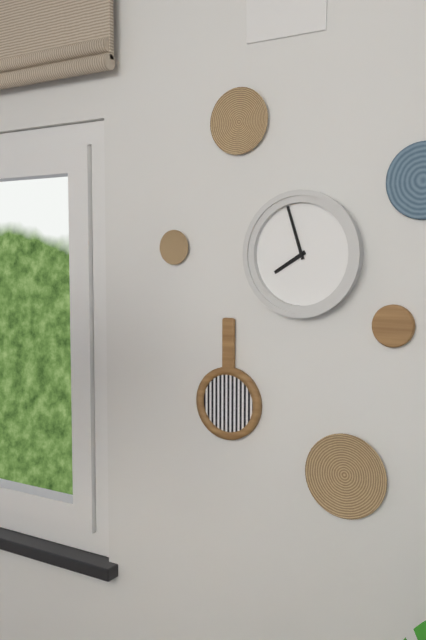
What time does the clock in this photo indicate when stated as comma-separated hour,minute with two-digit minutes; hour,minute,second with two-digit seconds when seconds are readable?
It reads 7,57
